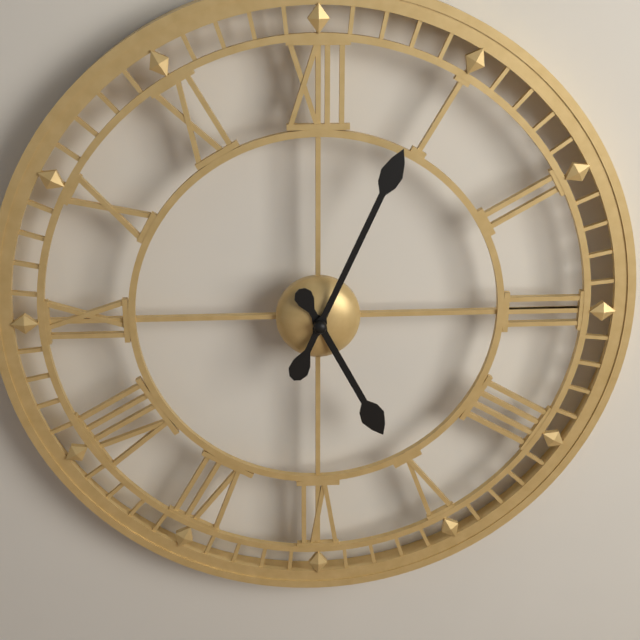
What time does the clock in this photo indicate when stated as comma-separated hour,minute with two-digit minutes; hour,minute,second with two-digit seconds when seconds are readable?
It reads 5,04
